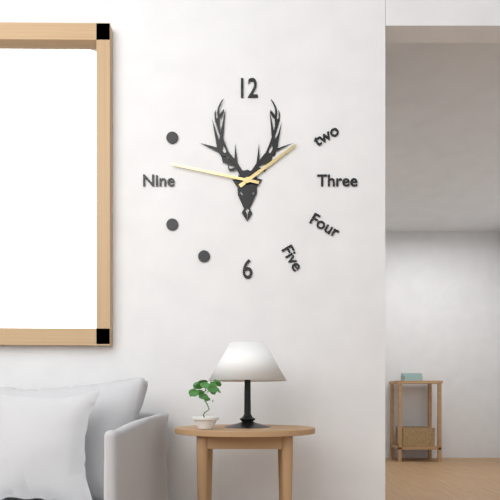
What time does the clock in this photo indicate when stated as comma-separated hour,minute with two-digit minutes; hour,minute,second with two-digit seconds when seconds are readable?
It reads 1,47
